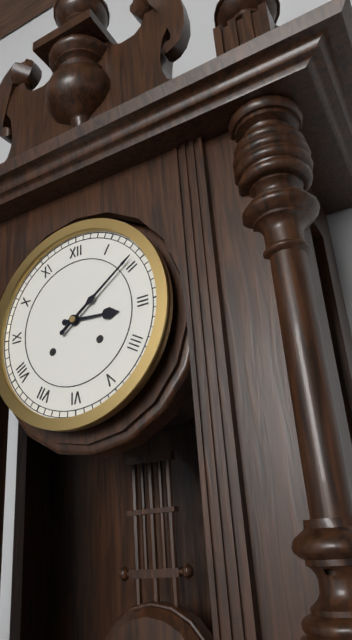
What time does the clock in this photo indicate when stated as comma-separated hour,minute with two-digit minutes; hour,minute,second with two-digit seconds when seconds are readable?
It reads 3,09
